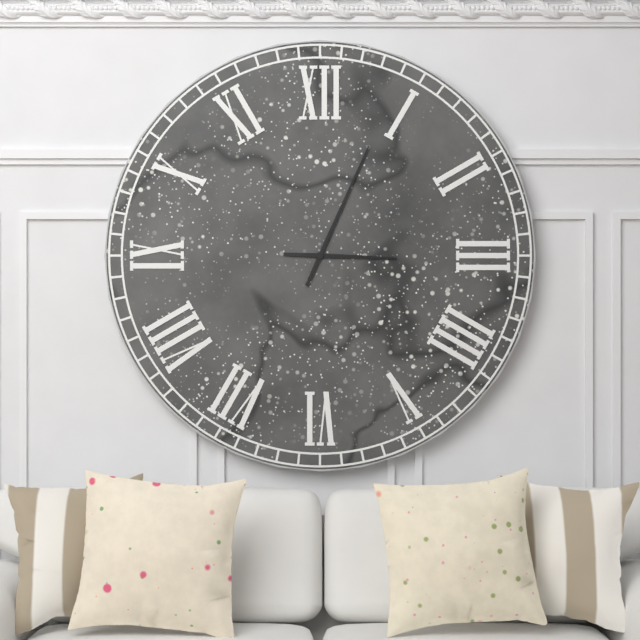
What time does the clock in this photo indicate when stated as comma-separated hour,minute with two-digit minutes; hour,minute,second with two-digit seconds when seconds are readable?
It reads 3,04
